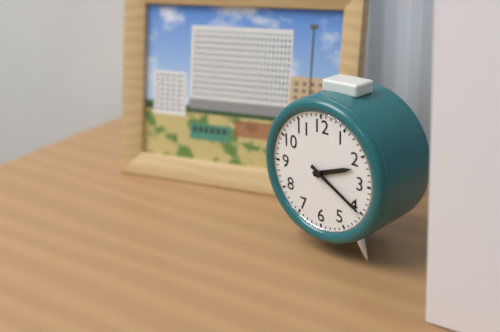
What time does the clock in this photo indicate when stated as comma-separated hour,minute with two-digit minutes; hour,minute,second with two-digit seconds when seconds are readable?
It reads 2,20
